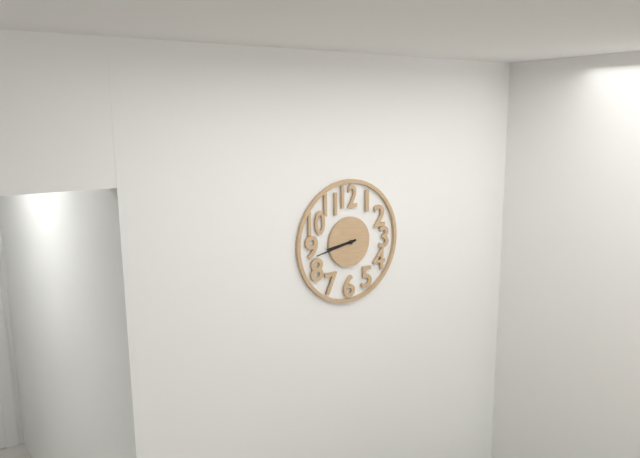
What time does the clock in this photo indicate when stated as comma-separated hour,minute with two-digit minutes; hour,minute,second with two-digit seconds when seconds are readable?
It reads 8,43
